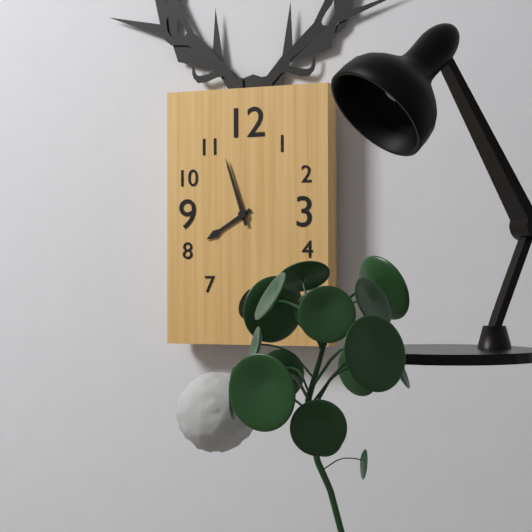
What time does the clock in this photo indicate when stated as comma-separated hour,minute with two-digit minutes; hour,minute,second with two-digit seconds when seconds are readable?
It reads 7,57
